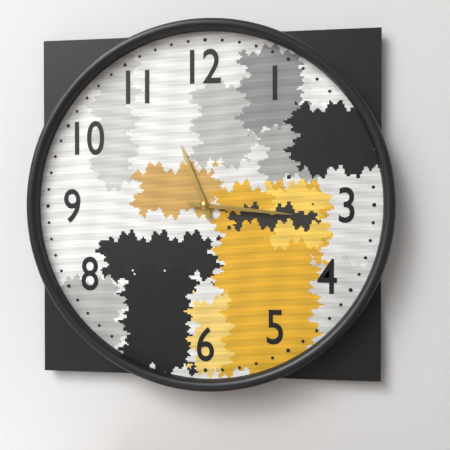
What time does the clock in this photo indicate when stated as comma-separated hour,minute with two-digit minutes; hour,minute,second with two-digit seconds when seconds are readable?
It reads 11,16
